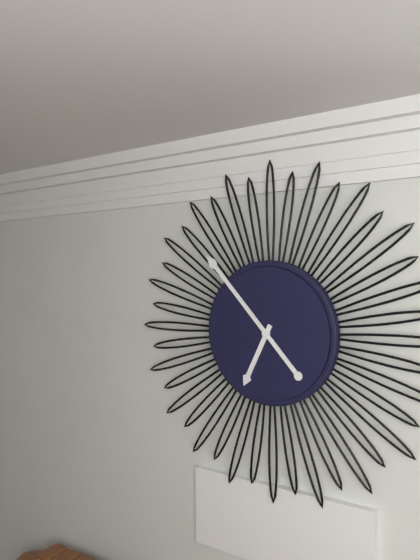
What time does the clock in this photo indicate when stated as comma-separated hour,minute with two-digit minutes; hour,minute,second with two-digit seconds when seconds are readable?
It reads 6,53
